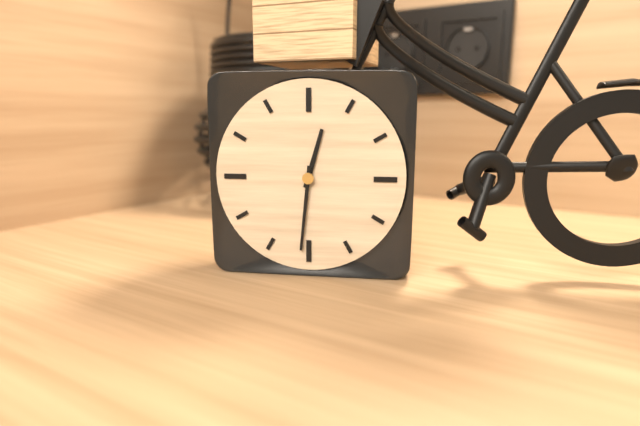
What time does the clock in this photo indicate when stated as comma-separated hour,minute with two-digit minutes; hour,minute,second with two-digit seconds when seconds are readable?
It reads 12,31
